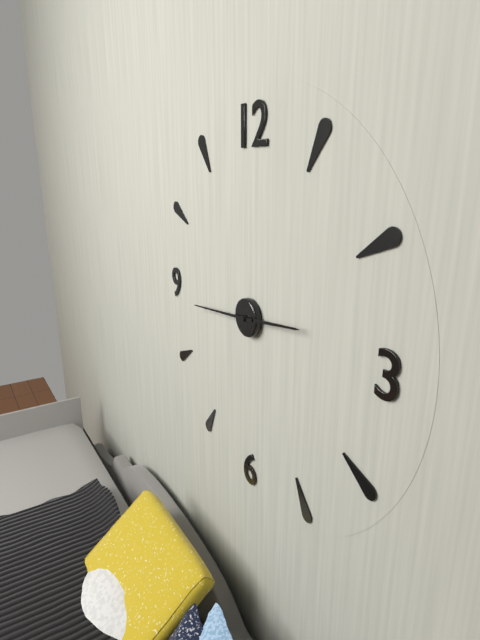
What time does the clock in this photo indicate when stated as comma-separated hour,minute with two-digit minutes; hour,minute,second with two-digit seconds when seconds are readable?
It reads 2,44
